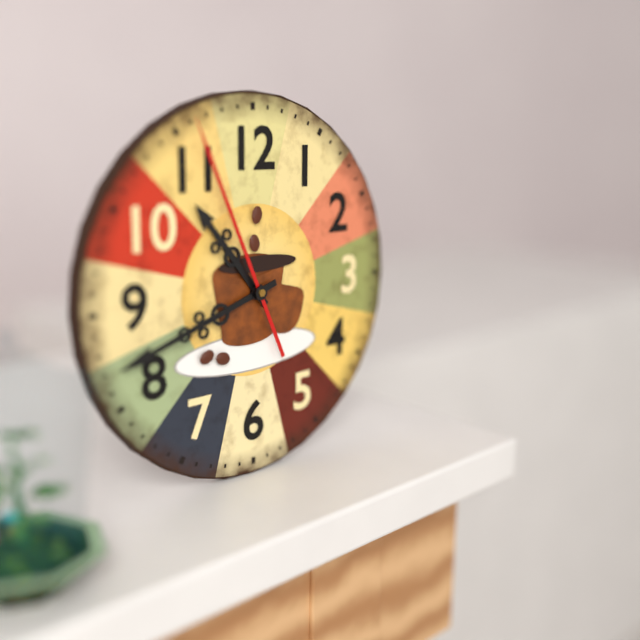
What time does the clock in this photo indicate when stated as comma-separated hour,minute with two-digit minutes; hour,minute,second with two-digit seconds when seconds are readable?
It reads 10,42,56
